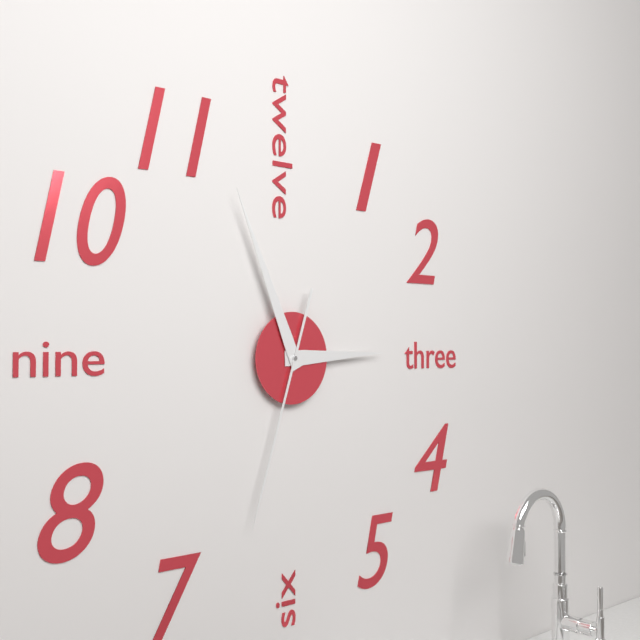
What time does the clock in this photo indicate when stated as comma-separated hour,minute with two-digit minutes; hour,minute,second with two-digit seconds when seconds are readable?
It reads 2,56,33
